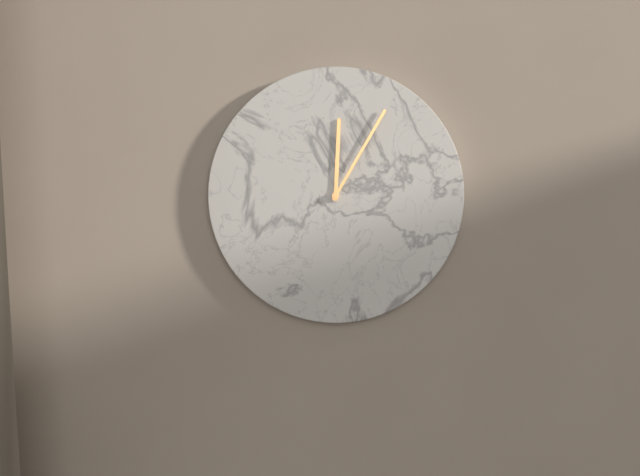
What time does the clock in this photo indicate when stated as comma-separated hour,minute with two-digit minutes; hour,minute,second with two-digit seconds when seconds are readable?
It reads 12,05
